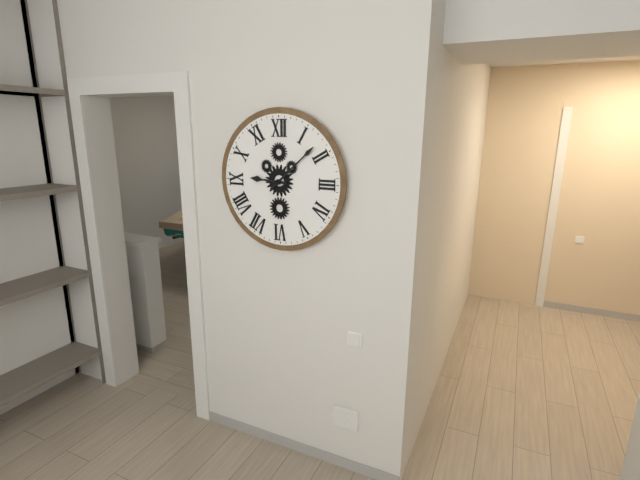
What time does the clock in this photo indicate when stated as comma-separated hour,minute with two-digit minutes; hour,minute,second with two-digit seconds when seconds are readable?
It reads 9,08
